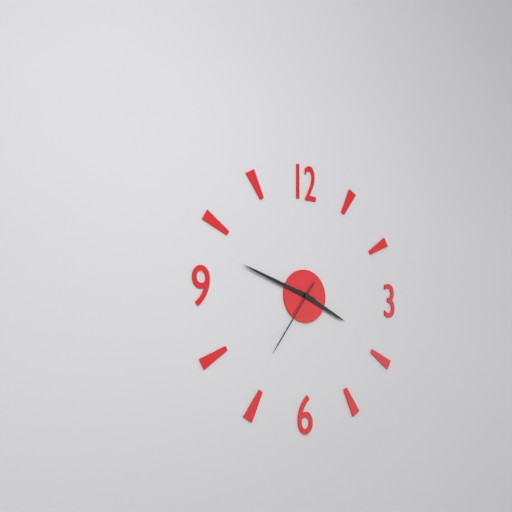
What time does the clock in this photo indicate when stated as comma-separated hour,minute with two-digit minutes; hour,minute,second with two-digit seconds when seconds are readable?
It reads 3,48,36
